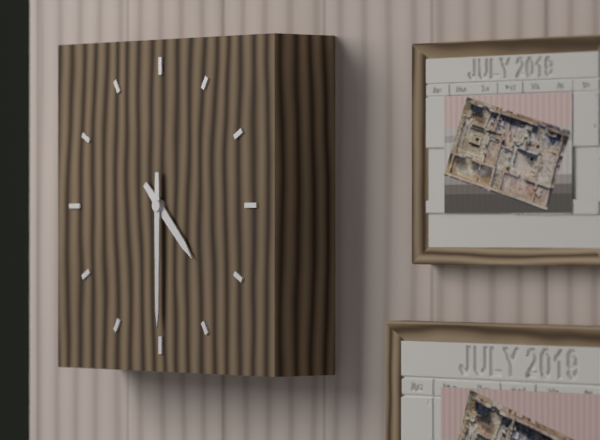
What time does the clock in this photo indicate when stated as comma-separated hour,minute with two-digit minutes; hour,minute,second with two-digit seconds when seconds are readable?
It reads 4,30
